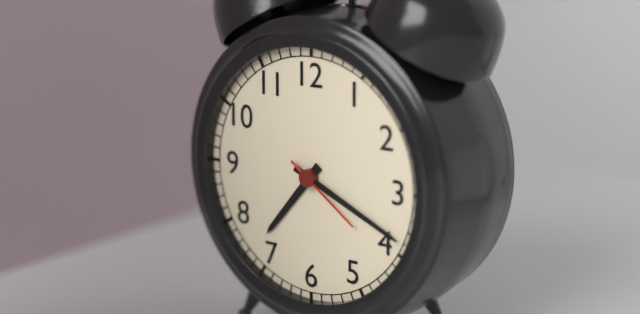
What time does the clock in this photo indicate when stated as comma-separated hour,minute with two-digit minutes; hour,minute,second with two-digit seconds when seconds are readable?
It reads 7,19,21
